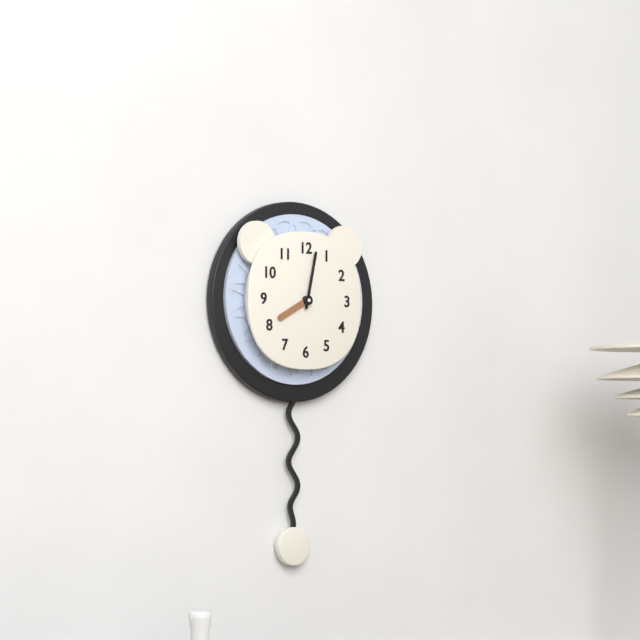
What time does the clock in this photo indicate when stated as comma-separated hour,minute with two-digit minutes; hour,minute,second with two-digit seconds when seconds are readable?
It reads 8,02
